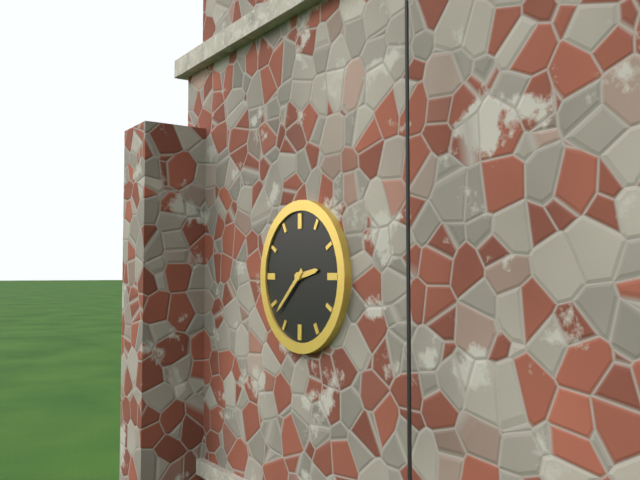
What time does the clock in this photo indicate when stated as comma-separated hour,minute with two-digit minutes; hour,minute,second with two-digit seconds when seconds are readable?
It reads 2,38
